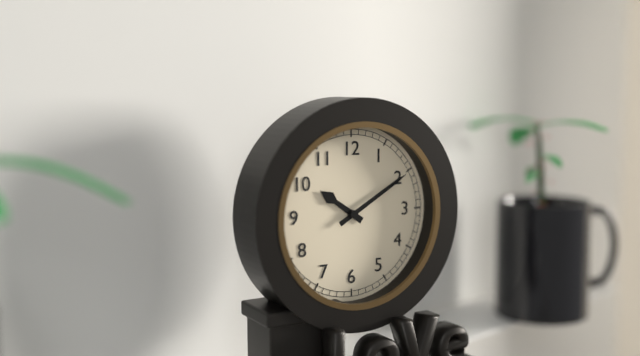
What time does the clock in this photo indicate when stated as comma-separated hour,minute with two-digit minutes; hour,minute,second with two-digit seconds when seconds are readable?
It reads 10,10
